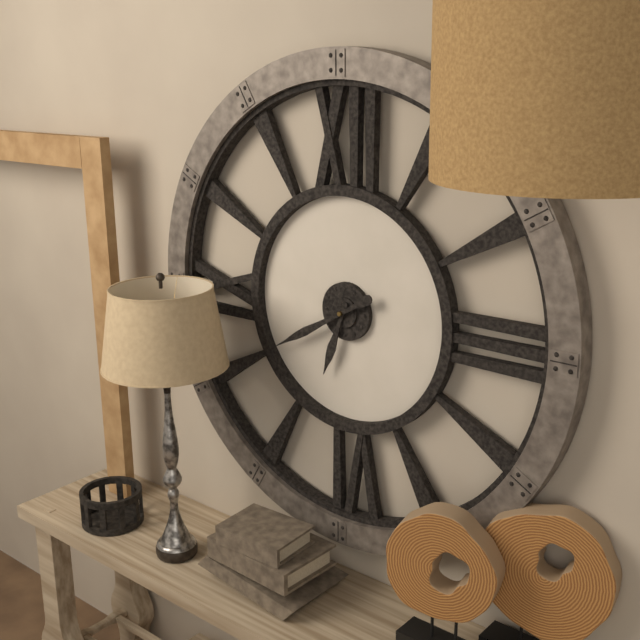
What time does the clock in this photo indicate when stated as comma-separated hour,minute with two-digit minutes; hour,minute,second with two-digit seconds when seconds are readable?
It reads 6,40
